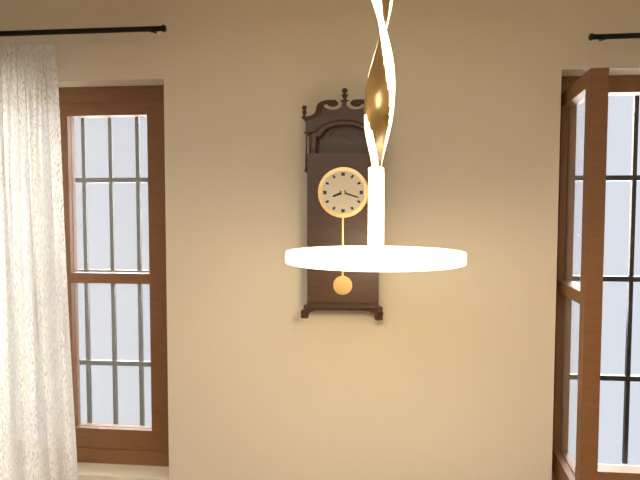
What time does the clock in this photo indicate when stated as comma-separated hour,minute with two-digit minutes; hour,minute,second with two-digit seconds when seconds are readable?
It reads 8,18
